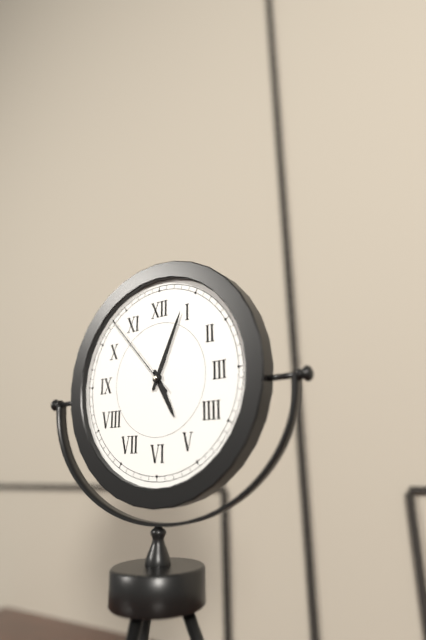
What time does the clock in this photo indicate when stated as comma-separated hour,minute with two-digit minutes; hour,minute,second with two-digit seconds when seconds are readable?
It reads 5,04,53
